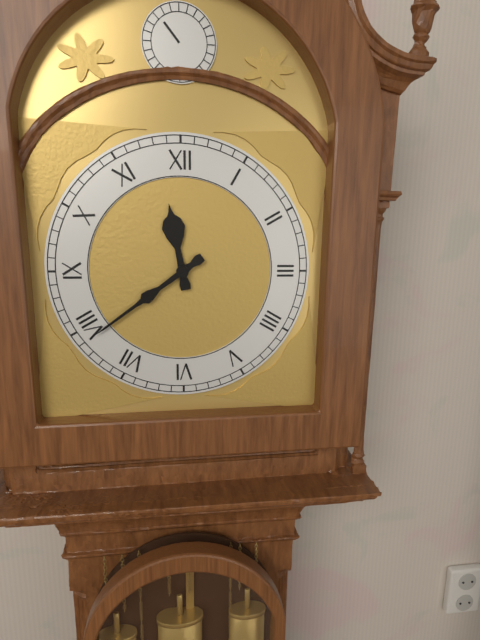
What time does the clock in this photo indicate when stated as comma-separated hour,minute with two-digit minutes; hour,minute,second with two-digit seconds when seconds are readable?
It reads 11,39
